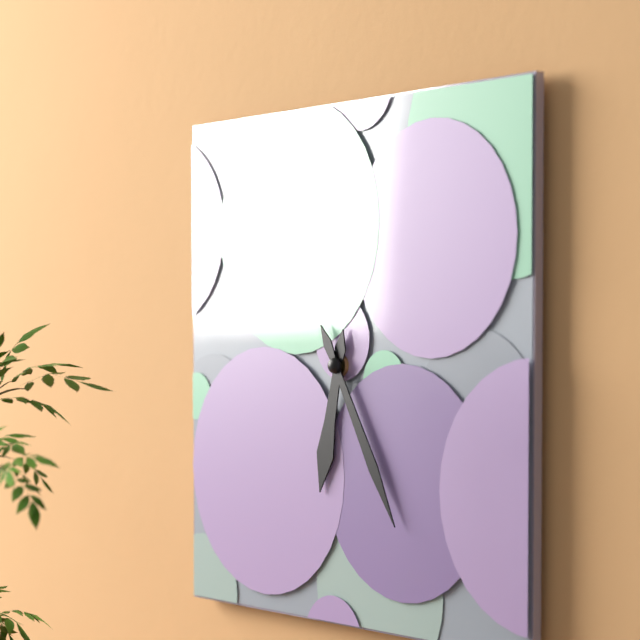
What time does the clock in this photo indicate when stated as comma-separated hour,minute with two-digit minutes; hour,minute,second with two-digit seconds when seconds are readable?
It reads 6,25
